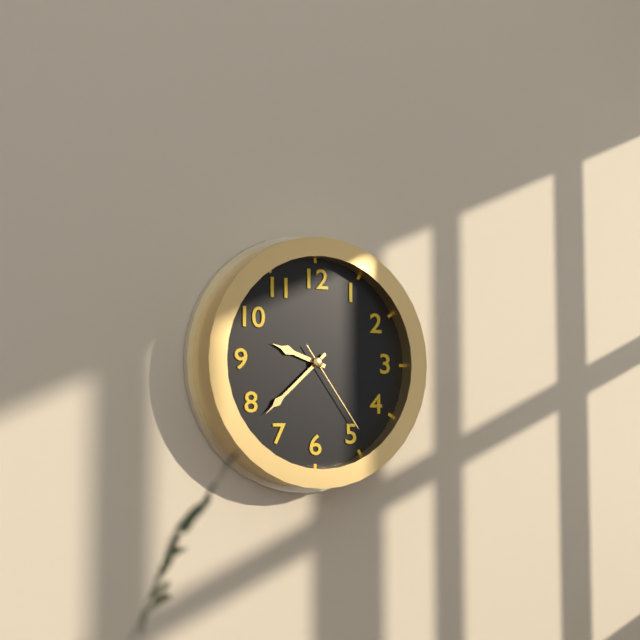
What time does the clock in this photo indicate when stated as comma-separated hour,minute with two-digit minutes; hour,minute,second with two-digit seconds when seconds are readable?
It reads 9,38,24
